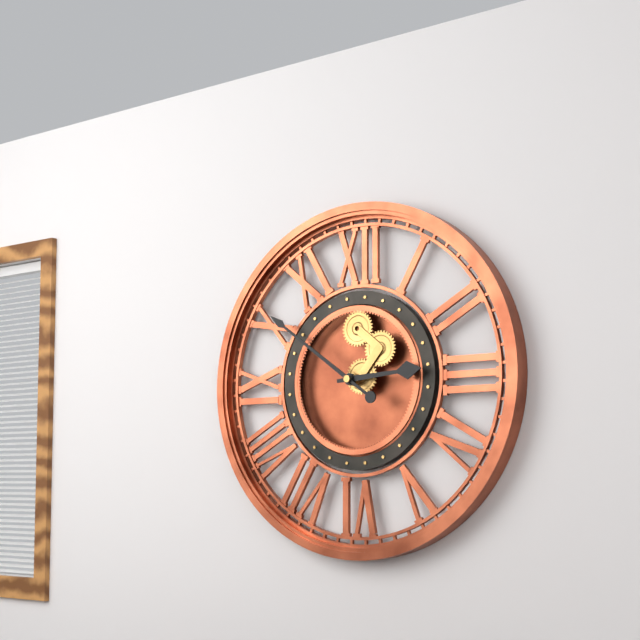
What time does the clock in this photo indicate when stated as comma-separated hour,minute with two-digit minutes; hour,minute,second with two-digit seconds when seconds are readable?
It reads 2,51
